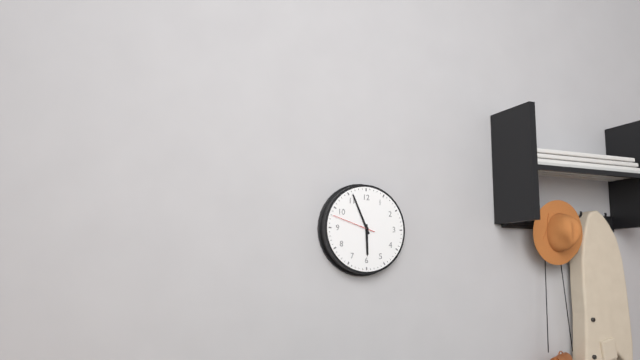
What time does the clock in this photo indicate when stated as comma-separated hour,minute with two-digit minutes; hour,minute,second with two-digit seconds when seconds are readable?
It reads 5,56
